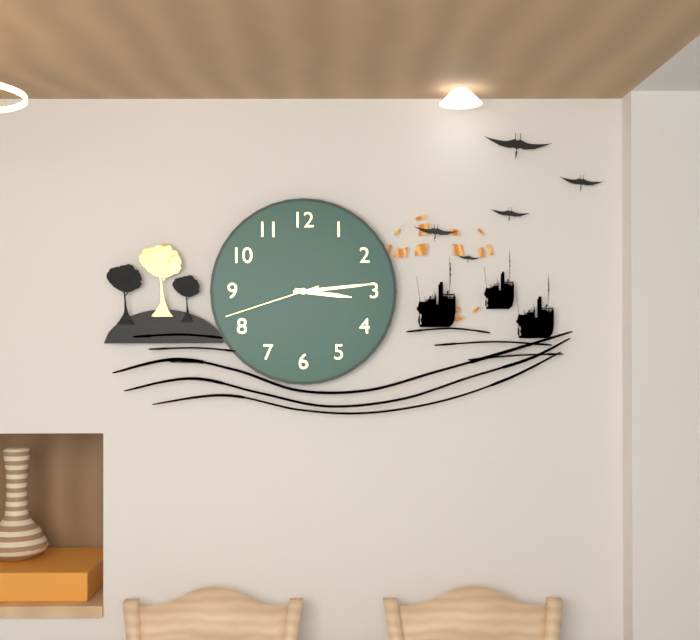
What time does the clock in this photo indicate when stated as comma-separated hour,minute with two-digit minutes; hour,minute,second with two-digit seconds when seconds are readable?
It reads 3,14,42
